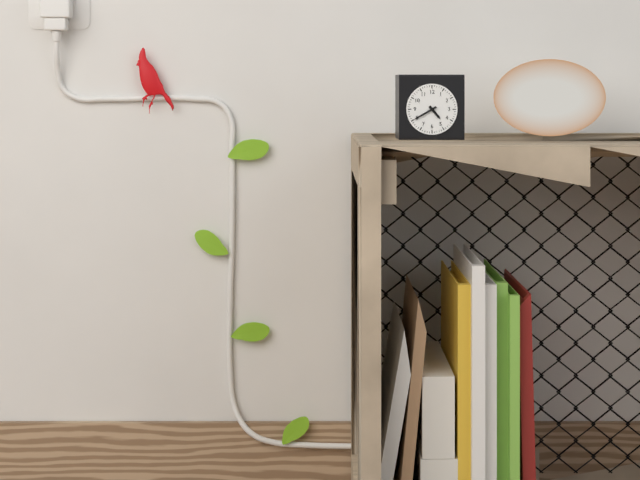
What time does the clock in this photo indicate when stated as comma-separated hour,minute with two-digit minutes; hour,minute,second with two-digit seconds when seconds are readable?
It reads 4,40
